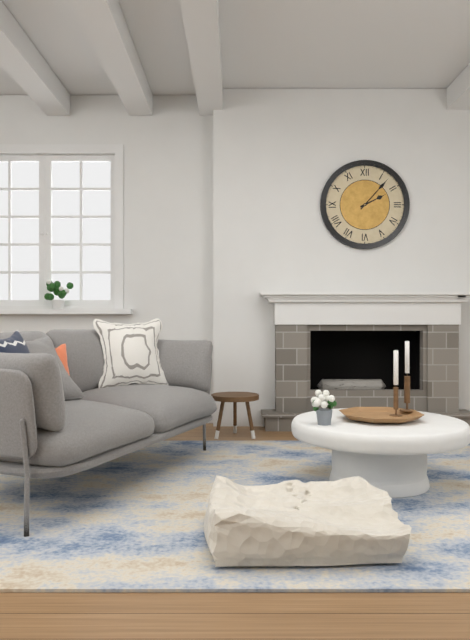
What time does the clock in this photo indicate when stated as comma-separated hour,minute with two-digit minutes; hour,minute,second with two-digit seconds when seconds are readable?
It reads 2,07
